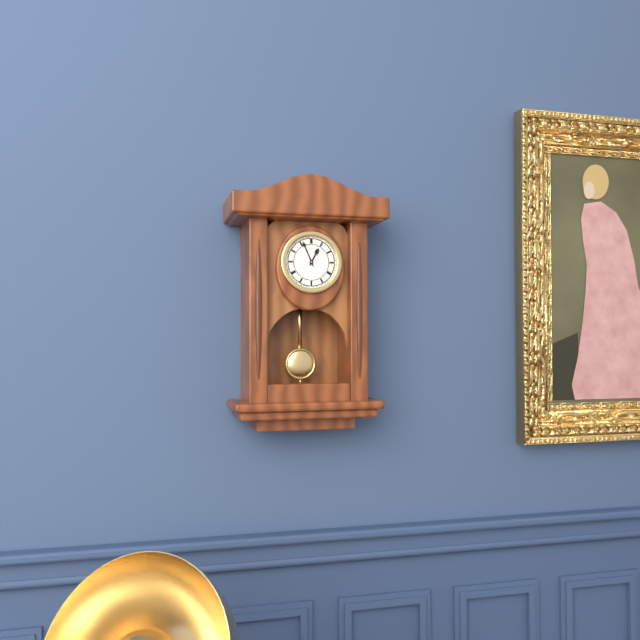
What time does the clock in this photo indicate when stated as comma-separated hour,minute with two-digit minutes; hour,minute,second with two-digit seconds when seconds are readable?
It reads 12,56
